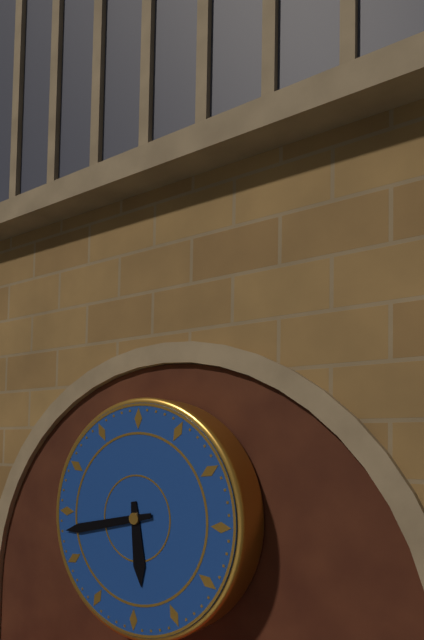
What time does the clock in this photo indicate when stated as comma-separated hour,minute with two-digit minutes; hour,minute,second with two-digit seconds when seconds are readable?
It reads 5,43
